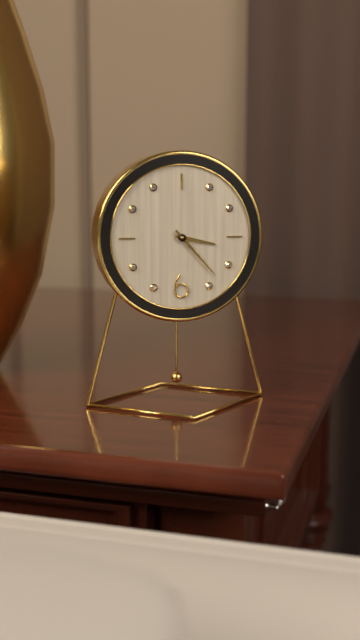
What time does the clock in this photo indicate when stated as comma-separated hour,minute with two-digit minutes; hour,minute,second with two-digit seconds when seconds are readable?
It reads 3,23
